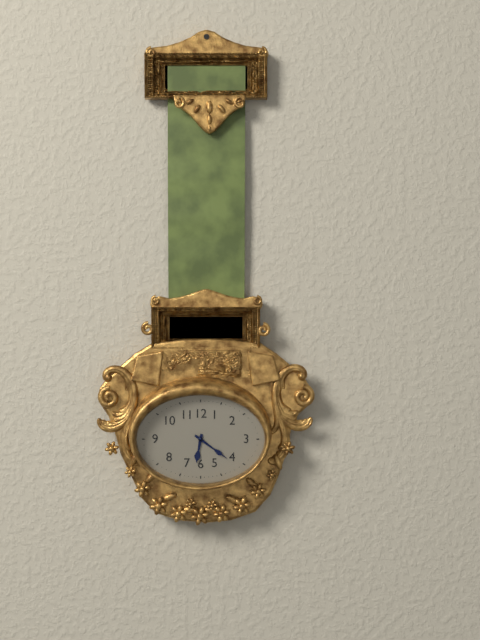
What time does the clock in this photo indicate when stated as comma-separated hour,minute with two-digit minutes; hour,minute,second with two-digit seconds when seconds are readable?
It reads 6,21
